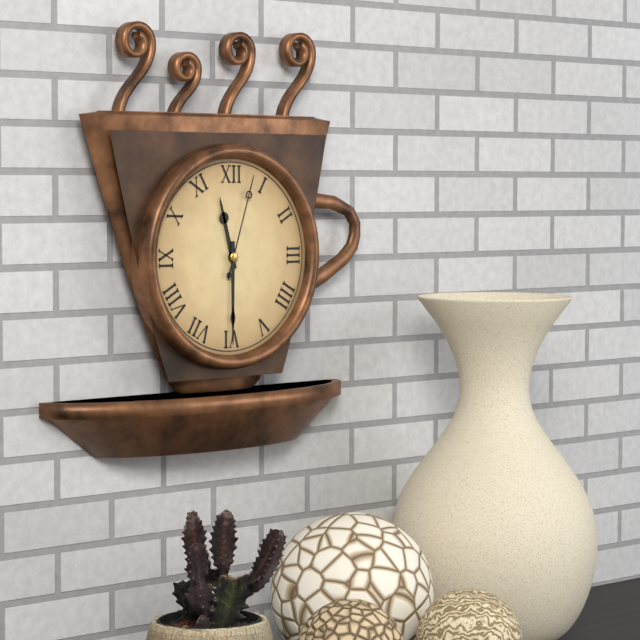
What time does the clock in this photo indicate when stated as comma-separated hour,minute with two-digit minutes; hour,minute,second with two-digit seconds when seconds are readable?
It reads 11,30,03
